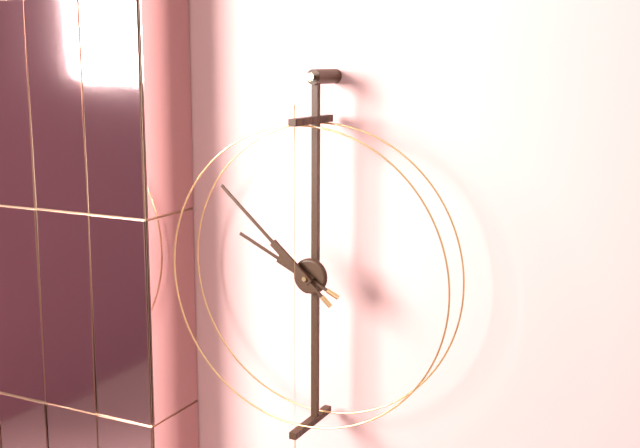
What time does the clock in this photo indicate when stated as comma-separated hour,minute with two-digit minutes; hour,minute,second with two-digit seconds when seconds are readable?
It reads 9,52
